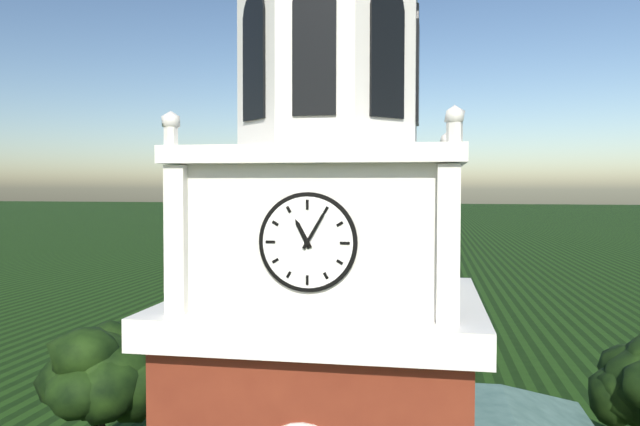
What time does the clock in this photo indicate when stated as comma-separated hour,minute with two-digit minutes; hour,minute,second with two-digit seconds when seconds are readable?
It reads 11,05
